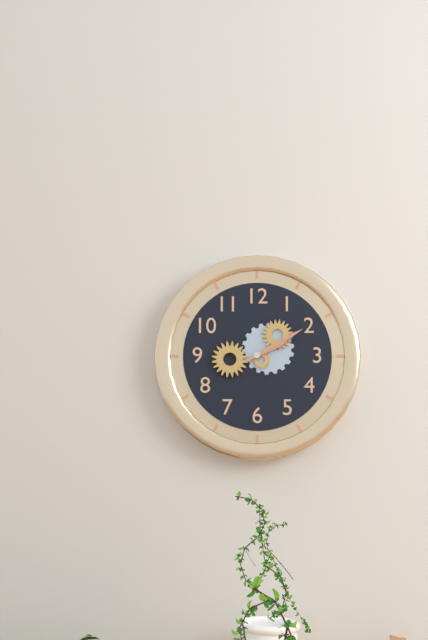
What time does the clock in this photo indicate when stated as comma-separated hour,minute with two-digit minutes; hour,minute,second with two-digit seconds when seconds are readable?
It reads 2,10
